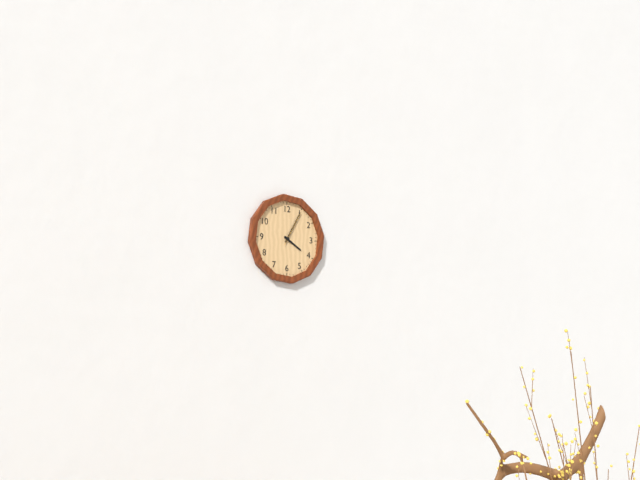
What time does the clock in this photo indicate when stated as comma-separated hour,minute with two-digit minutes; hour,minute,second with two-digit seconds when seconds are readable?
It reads 4,05
